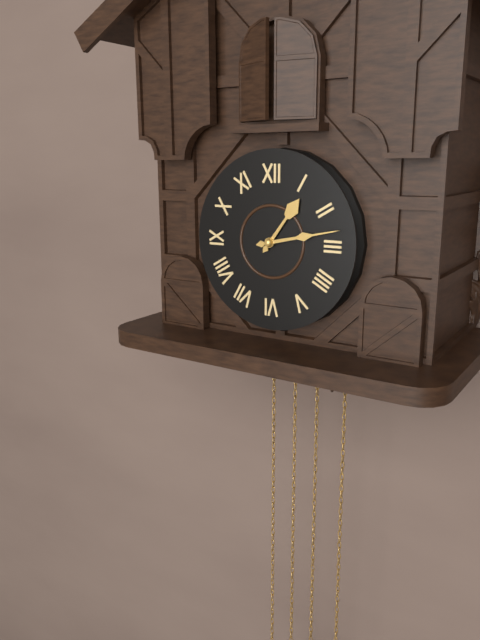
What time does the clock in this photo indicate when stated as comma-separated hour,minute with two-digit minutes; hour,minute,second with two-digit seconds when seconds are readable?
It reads 1,13
